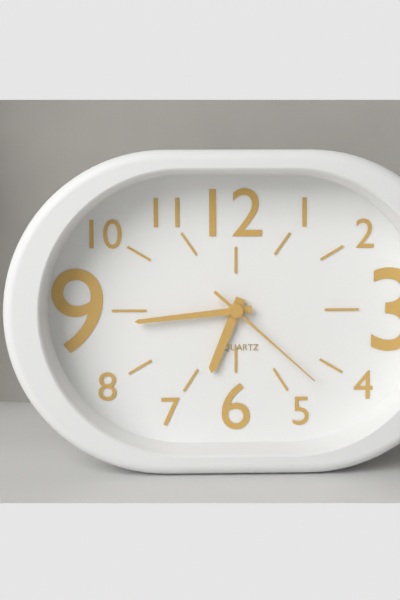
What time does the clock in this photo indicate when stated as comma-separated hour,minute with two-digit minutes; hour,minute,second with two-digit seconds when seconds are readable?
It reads 6,44,22
